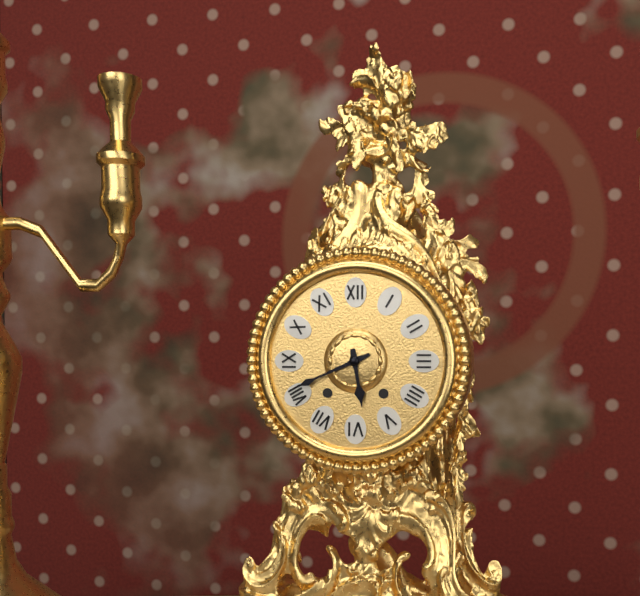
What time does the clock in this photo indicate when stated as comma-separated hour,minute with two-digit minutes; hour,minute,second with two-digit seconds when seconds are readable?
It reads 5,41
